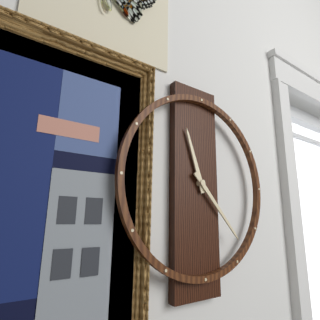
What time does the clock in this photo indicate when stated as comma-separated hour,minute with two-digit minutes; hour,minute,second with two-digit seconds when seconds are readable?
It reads 11,23
